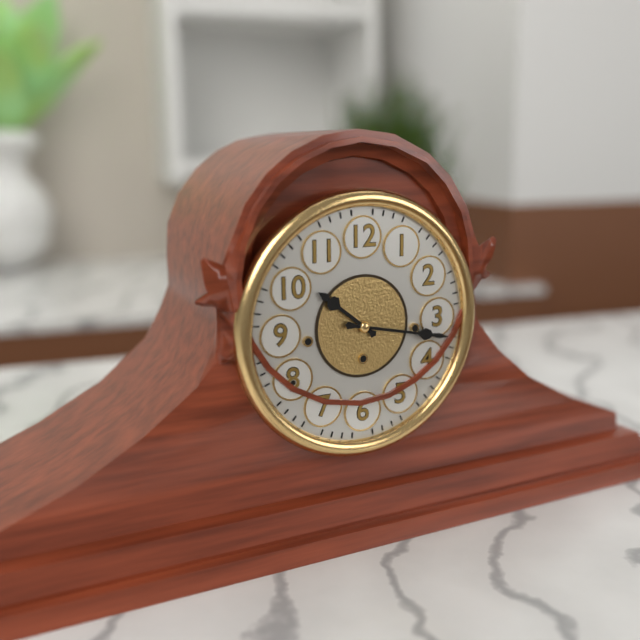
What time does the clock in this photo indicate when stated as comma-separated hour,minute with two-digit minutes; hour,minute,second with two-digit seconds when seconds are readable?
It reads 10,17
